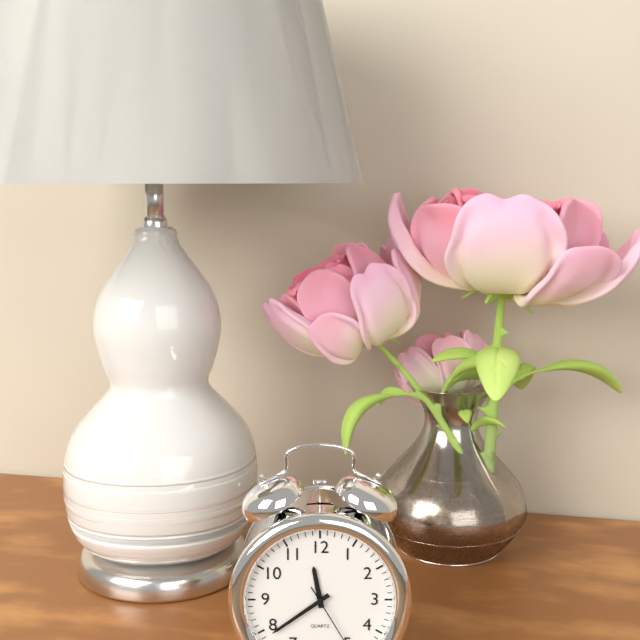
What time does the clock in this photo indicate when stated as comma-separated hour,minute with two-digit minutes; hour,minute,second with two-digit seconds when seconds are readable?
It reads 11,39
